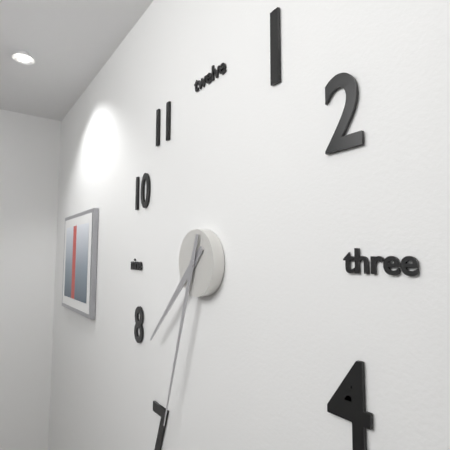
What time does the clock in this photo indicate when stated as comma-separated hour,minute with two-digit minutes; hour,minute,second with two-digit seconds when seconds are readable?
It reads 7,33
